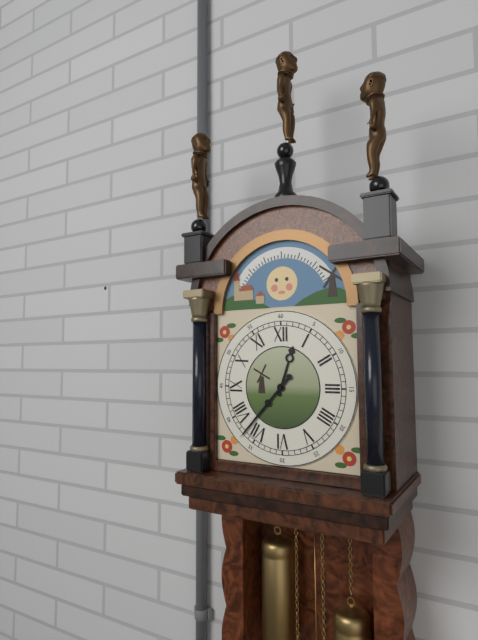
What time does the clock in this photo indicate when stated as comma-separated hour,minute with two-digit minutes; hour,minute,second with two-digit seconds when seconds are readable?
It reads 12,37
